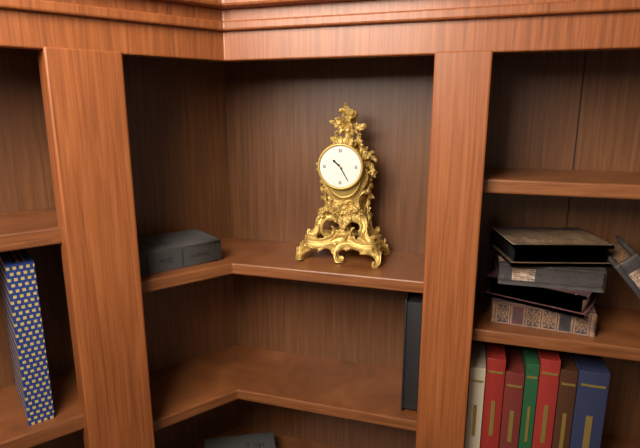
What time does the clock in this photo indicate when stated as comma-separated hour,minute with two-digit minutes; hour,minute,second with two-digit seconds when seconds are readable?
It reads 10,25
